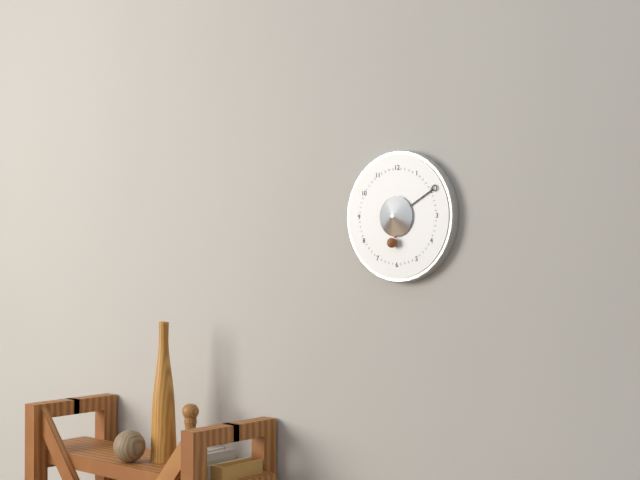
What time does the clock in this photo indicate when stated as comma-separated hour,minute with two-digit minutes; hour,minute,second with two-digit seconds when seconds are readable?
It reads 6,10
